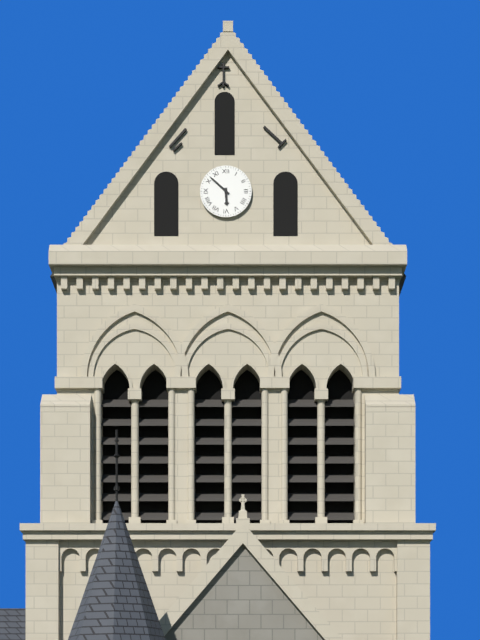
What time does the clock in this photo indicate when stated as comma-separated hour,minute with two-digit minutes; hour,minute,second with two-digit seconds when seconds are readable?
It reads 5,52
